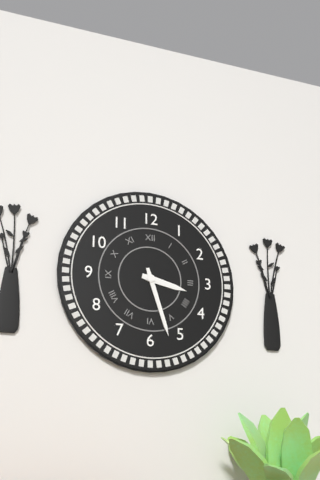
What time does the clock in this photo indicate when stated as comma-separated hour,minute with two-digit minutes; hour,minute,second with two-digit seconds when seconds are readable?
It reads 3,27
